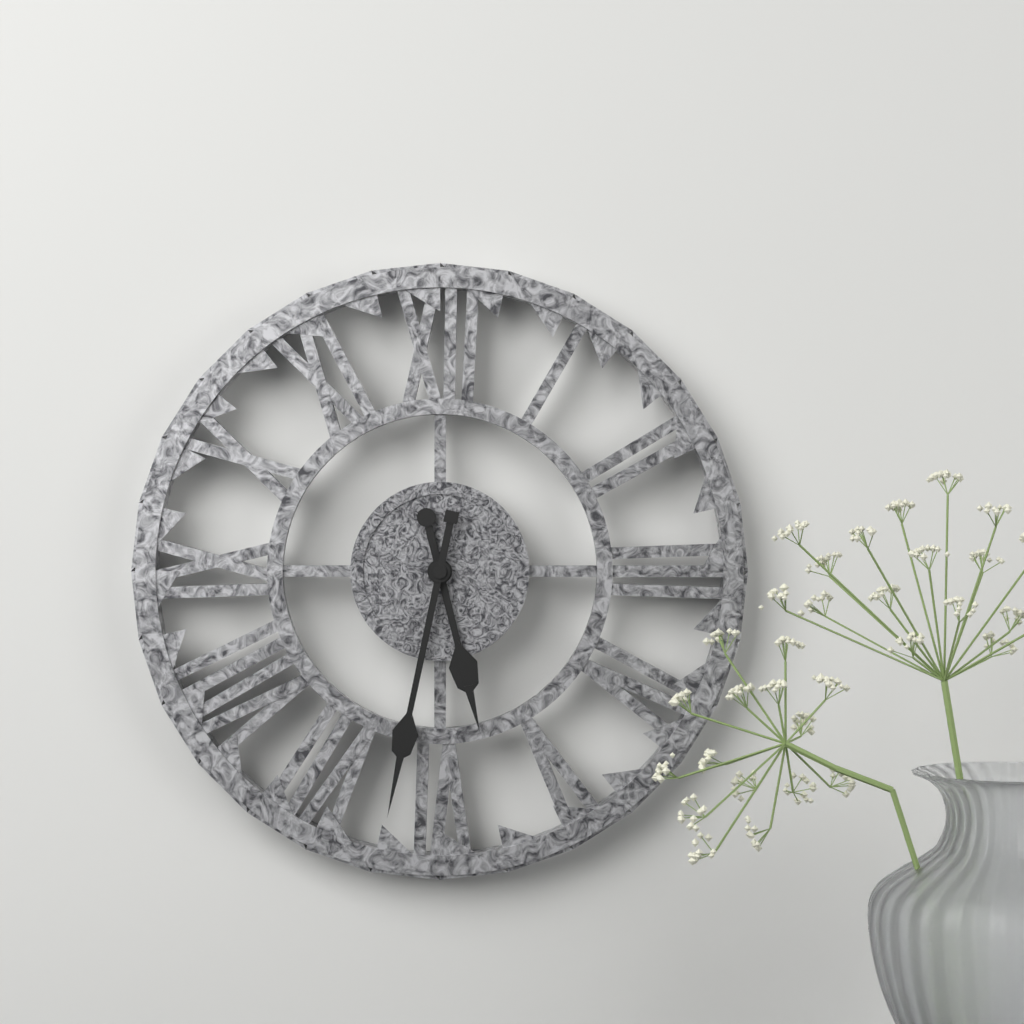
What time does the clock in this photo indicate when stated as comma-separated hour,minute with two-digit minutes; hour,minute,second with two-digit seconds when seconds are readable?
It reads 5,32
